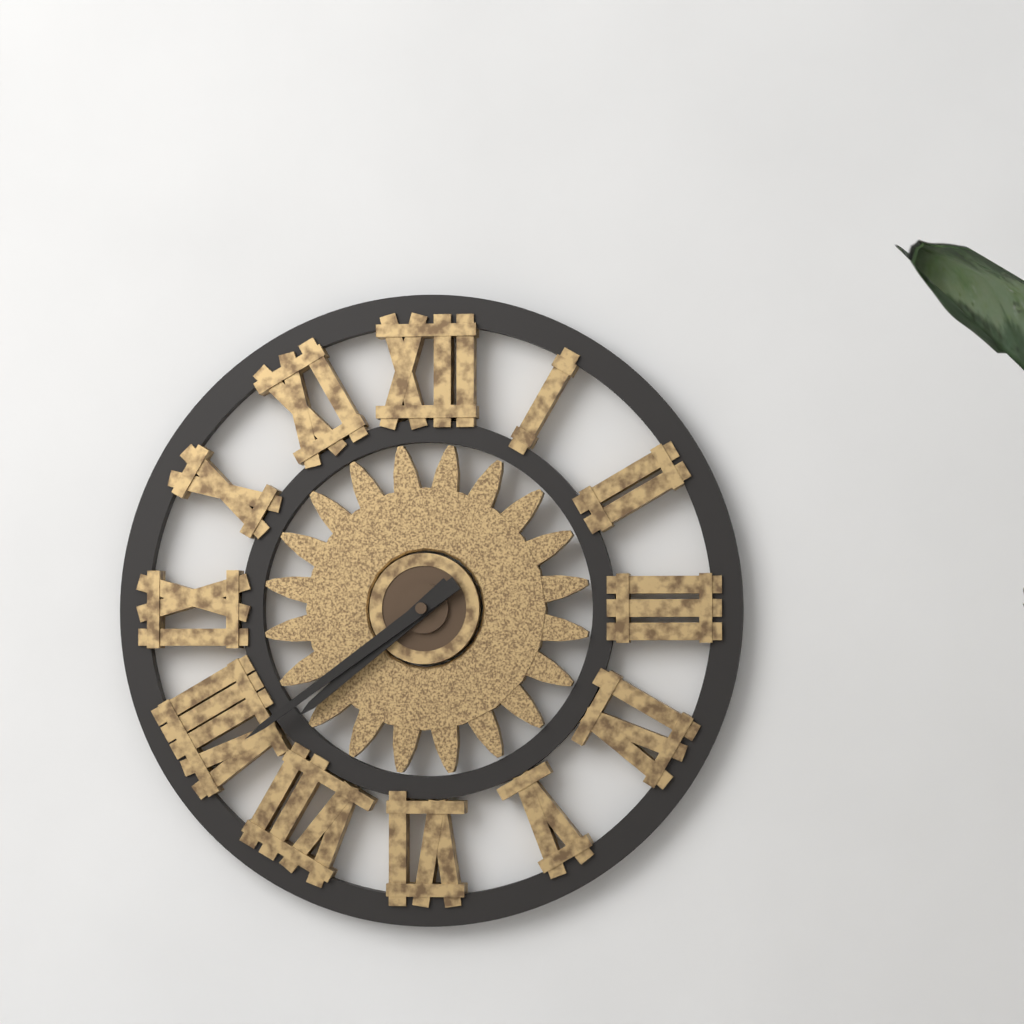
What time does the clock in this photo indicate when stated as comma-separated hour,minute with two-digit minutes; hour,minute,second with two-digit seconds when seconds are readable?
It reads 7,39
